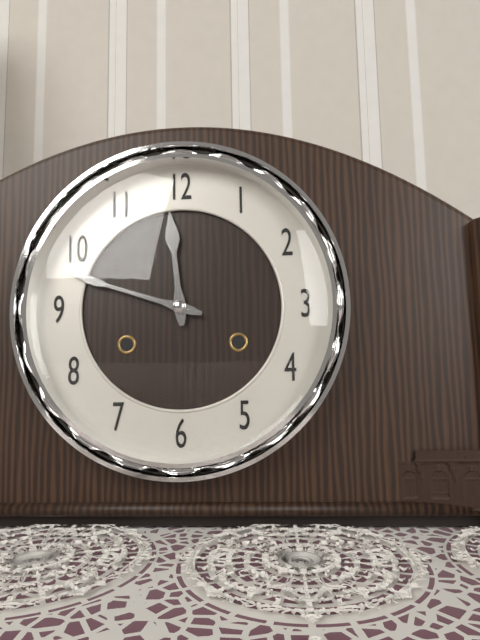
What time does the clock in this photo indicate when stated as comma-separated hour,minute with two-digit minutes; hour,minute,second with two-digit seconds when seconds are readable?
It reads 11,48
